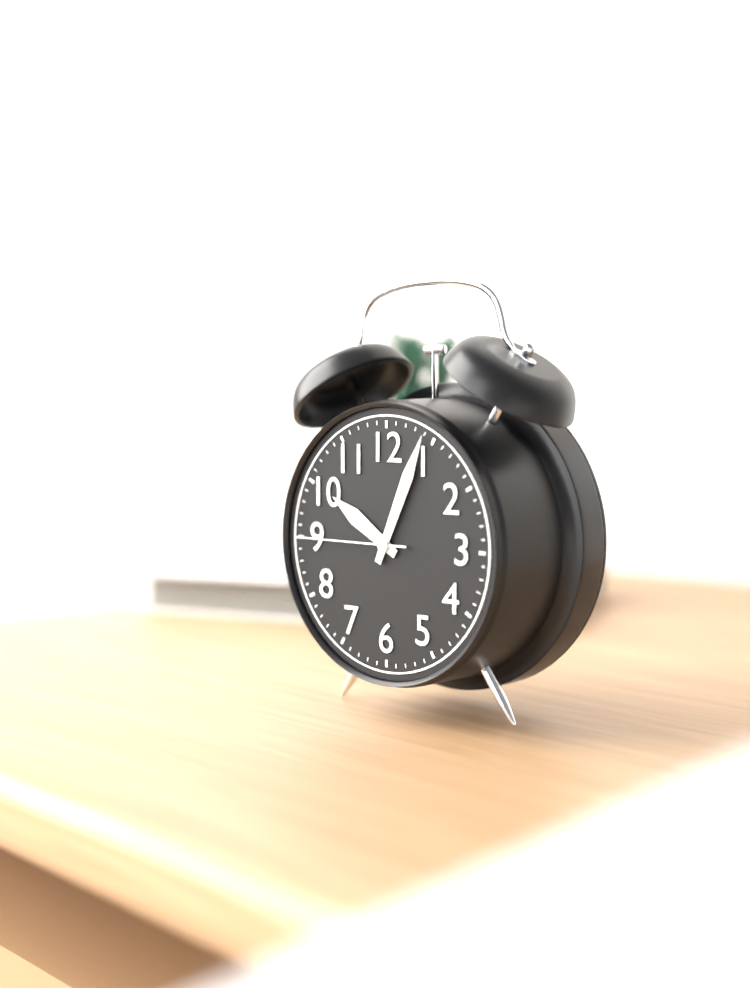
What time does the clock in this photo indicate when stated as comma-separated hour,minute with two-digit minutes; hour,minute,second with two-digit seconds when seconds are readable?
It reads 10,04,45
